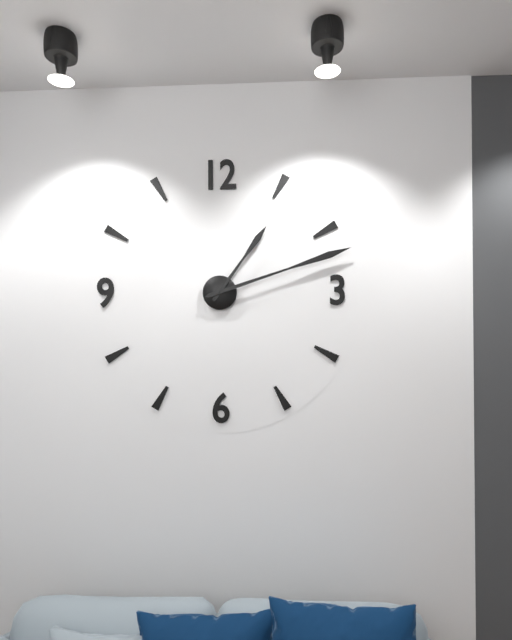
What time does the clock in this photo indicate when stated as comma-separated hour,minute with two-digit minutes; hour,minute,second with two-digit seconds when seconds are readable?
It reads 1,12
